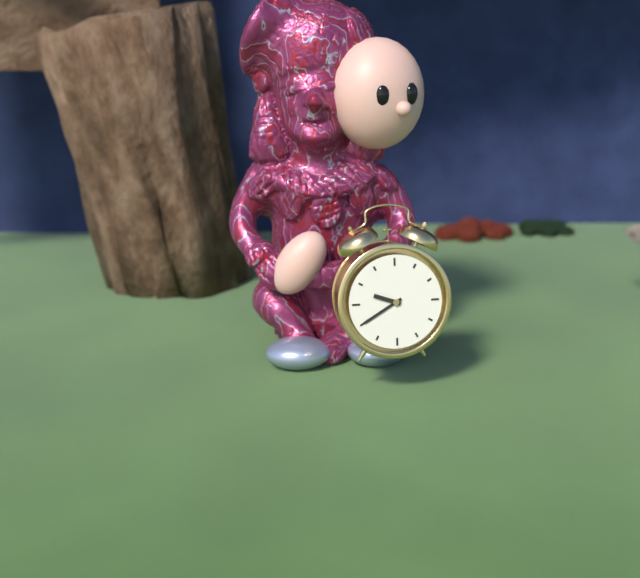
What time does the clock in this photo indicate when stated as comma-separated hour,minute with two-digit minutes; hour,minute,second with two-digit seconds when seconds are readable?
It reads 9,40
